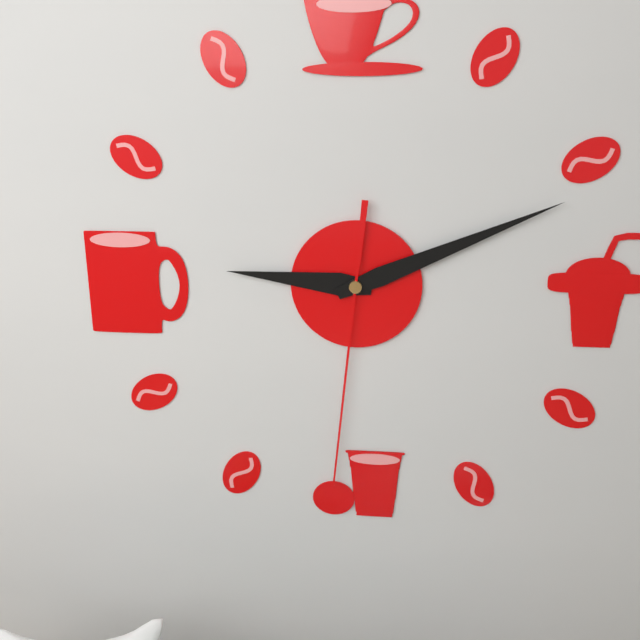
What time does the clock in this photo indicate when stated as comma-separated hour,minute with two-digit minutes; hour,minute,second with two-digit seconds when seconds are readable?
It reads 9,11,31
